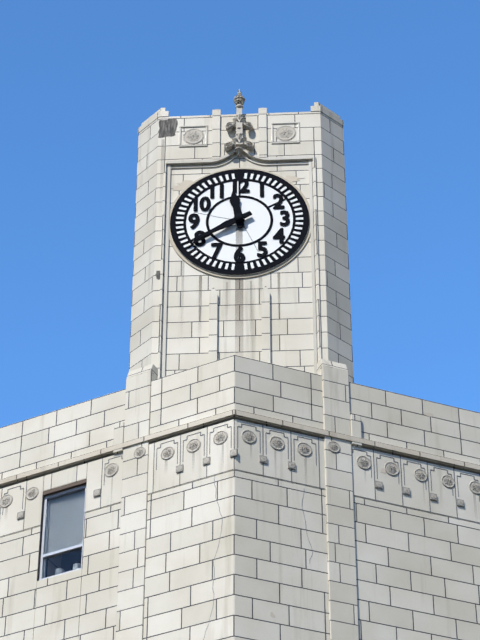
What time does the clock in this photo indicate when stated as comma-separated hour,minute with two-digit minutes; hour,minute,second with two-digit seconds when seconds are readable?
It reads 11,40
